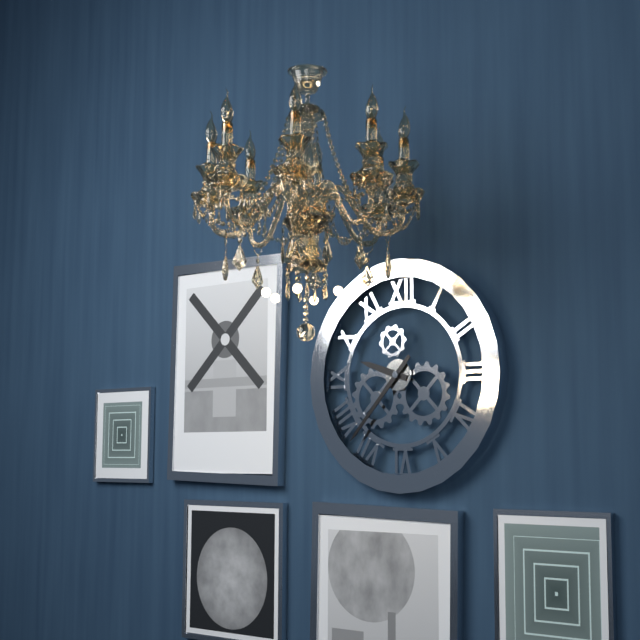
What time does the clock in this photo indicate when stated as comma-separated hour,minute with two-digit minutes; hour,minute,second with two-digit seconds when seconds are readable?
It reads 9,37
